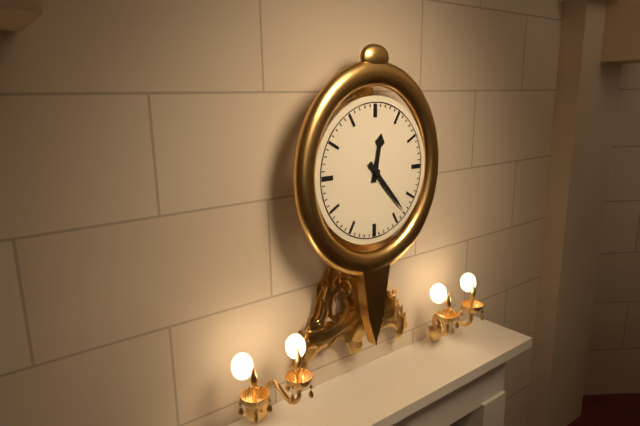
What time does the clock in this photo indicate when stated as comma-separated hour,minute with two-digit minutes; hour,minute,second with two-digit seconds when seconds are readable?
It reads 12,23
